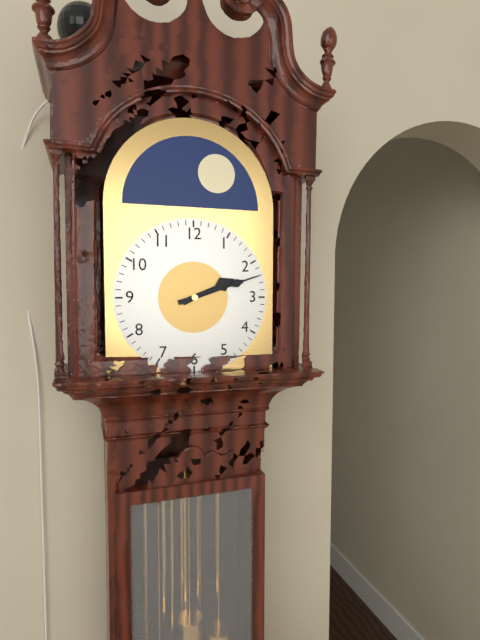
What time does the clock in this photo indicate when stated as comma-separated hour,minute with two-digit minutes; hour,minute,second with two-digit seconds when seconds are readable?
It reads 2,12
